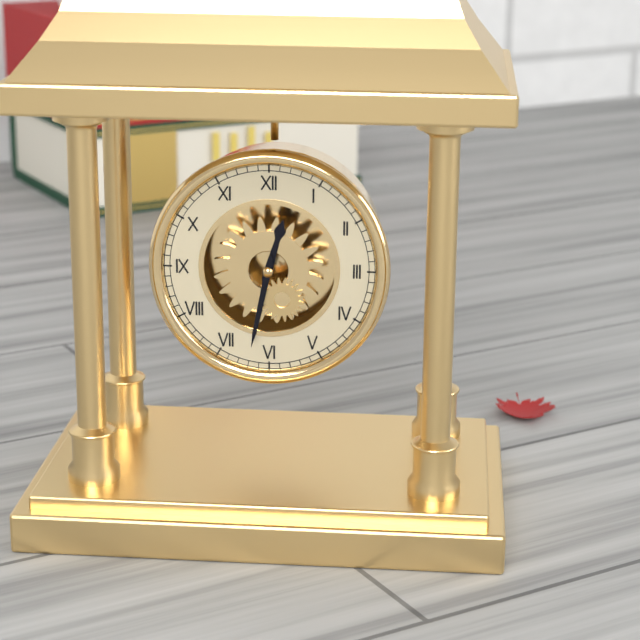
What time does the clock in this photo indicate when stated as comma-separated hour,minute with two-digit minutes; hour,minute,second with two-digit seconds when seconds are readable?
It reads 12,32
